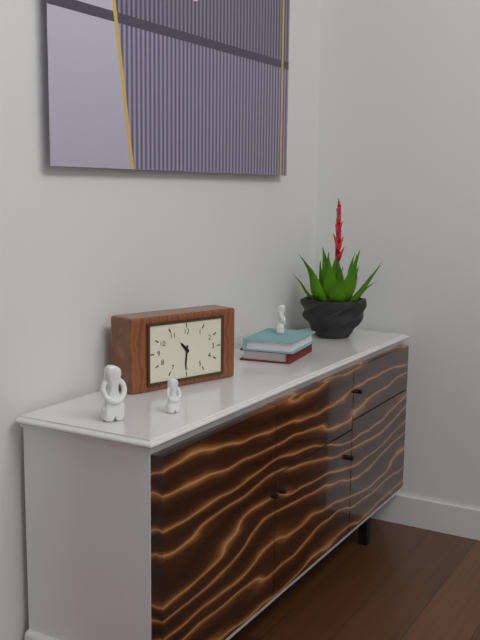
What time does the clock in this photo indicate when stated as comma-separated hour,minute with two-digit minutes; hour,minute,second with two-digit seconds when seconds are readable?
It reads 10,31
